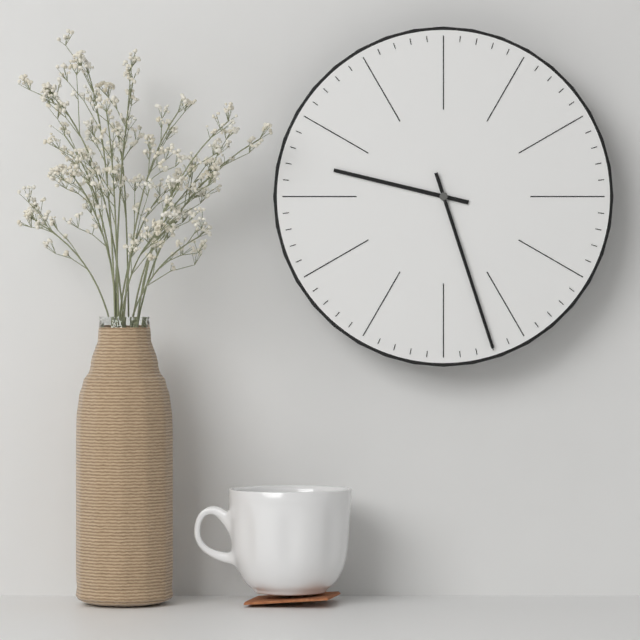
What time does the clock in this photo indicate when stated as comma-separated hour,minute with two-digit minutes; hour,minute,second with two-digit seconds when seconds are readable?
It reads 9,27
